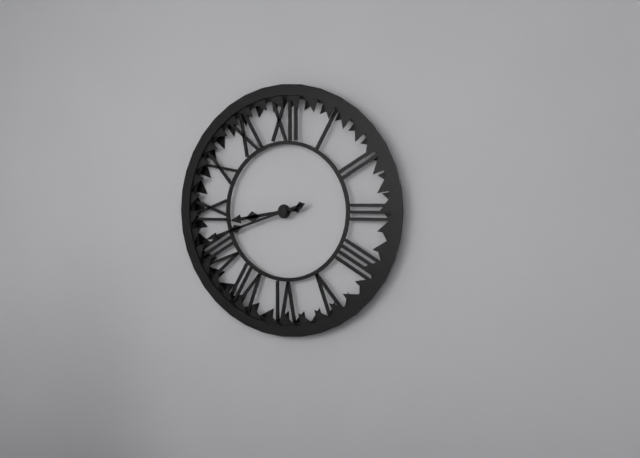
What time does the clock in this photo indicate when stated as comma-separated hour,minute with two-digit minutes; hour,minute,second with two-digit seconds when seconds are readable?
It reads 8,42
